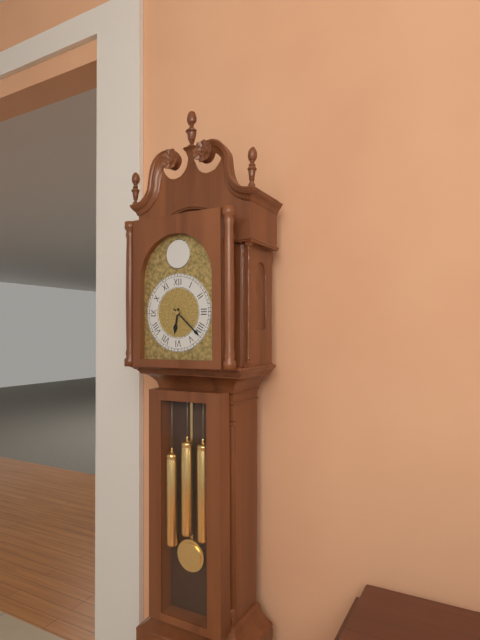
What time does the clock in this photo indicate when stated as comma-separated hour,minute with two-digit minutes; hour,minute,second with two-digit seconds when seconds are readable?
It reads 6,22
